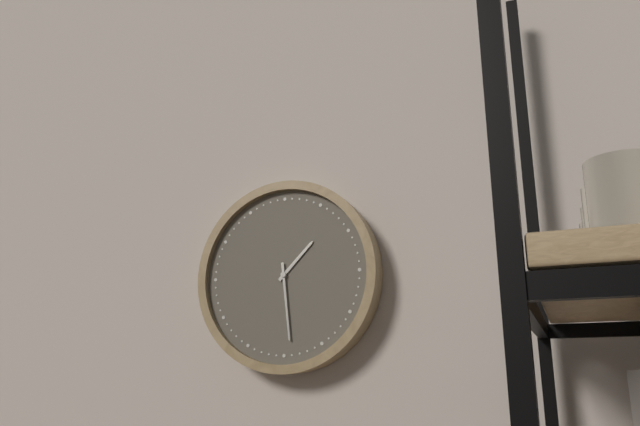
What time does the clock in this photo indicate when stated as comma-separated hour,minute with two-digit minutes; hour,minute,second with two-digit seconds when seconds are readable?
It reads 1,29
